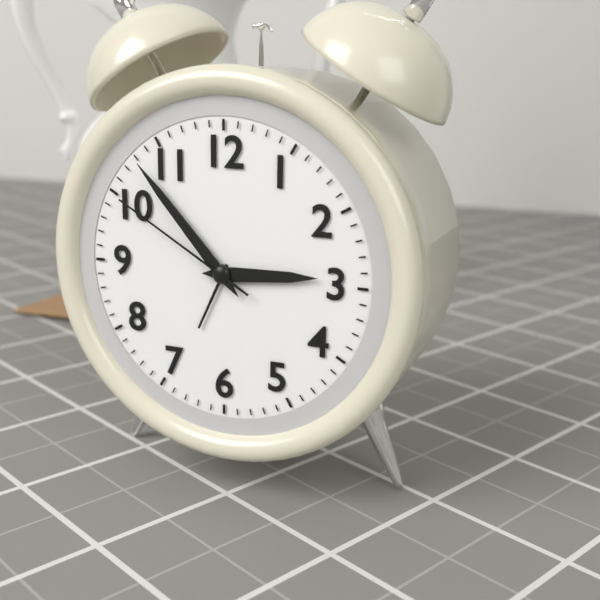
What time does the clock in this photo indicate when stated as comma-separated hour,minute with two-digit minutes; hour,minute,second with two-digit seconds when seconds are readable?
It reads 2,53,50
